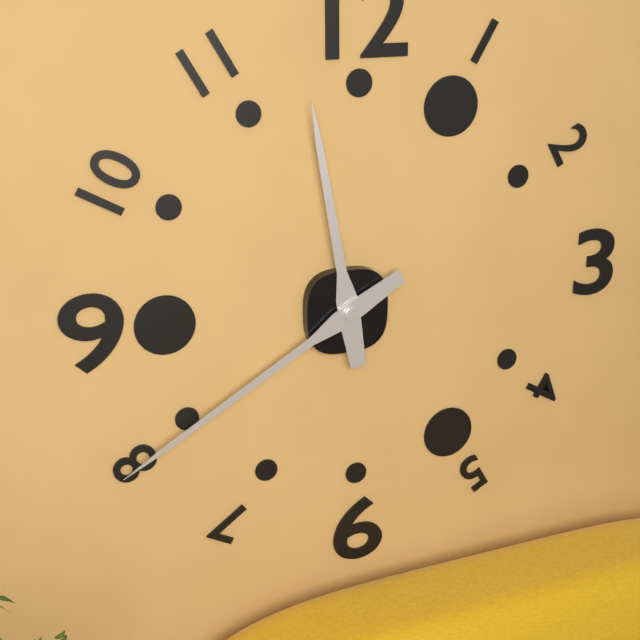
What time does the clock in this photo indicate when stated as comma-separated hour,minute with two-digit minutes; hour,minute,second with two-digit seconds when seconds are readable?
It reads 11,40
